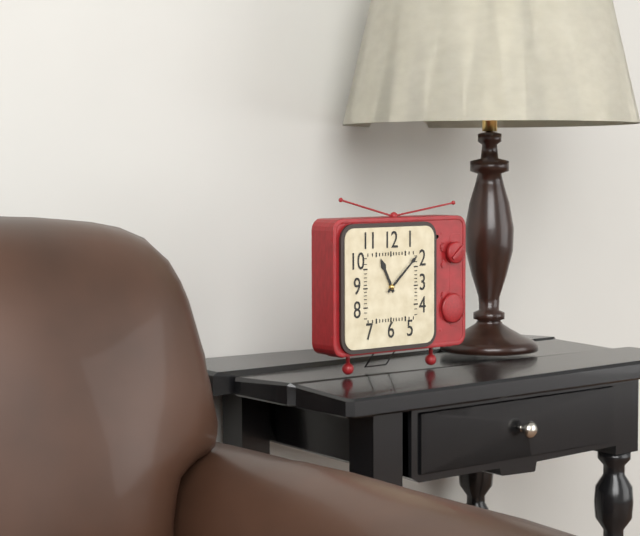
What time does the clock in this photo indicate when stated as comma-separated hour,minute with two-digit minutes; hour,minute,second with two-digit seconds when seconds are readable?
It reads 11,08
